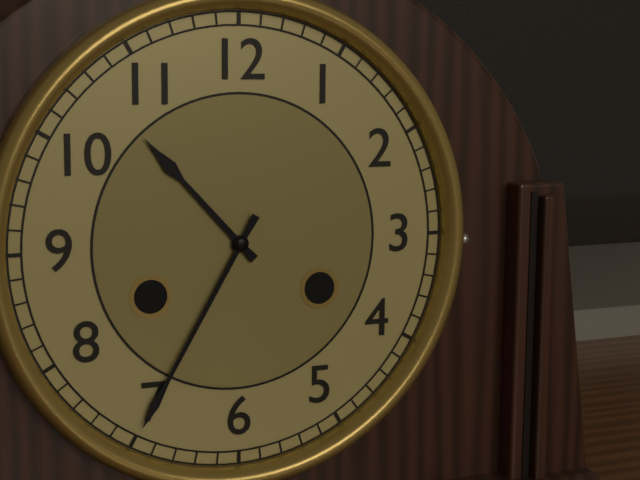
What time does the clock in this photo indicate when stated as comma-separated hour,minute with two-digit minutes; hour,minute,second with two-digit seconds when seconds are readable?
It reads 10,35
